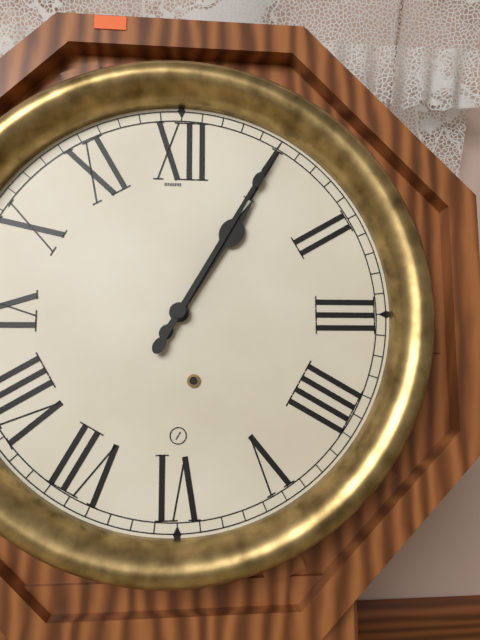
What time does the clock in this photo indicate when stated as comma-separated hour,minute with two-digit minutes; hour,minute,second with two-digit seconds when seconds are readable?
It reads 1,05
